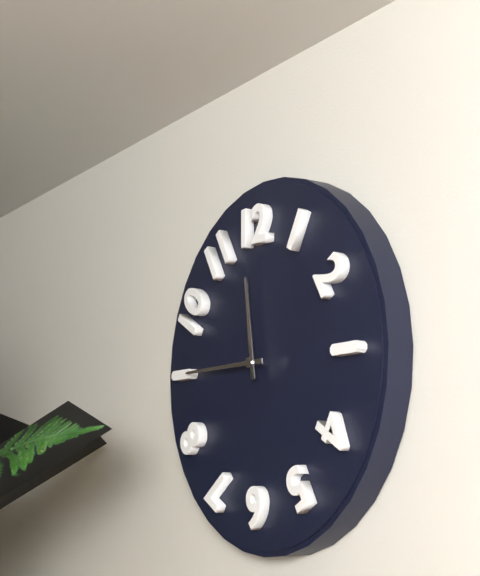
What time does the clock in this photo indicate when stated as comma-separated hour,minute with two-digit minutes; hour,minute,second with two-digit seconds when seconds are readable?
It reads 11,45
